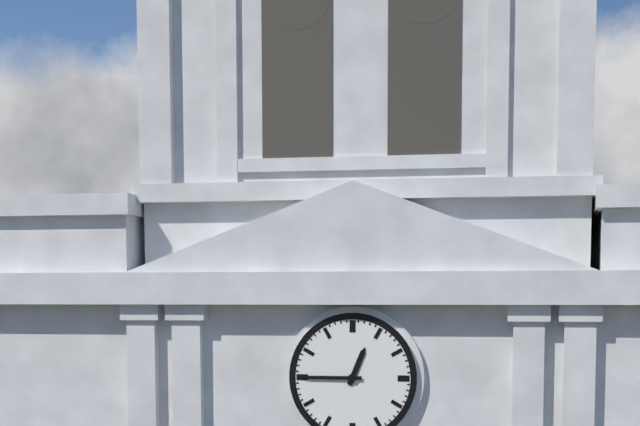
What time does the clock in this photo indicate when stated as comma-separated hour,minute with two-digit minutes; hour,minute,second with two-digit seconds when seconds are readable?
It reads 12,45
